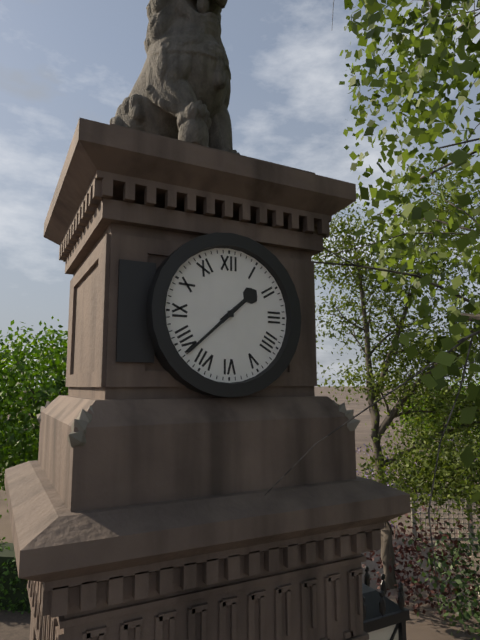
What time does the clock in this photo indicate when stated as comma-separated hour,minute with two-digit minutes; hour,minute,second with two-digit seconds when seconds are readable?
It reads 1,38
